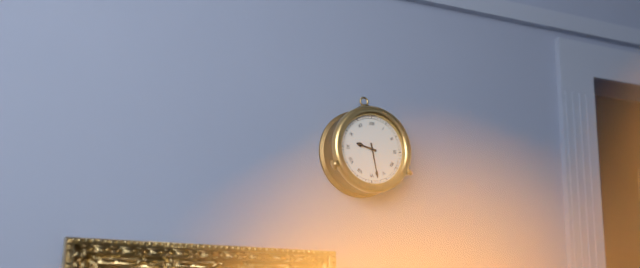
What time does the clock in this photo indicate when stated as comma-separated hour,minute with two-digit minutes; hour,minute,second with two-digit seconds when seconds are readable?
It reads 9,28
